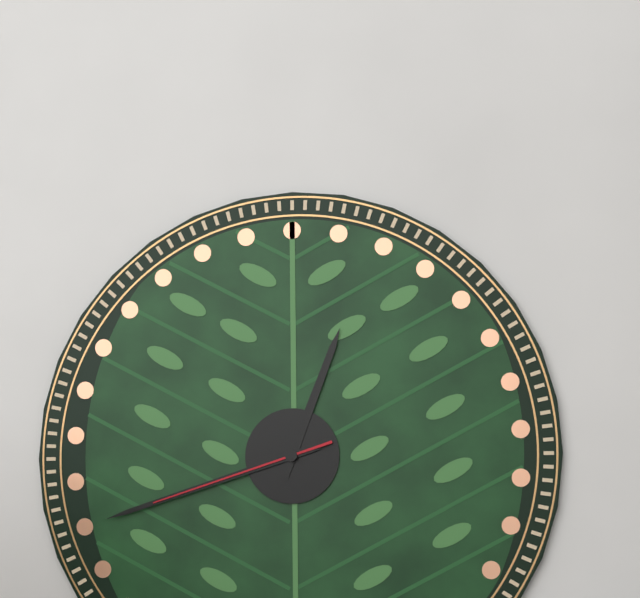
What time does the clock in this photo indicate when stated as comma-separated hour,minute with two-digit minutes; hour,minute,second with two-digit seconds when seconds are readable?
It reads 12,42,42
